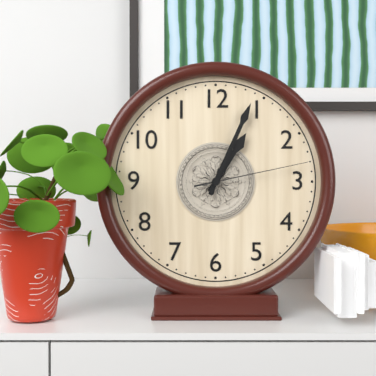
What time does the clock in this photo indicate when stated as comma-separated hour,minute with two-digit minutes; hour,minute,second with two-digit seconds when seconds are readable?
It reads 1,04,13
